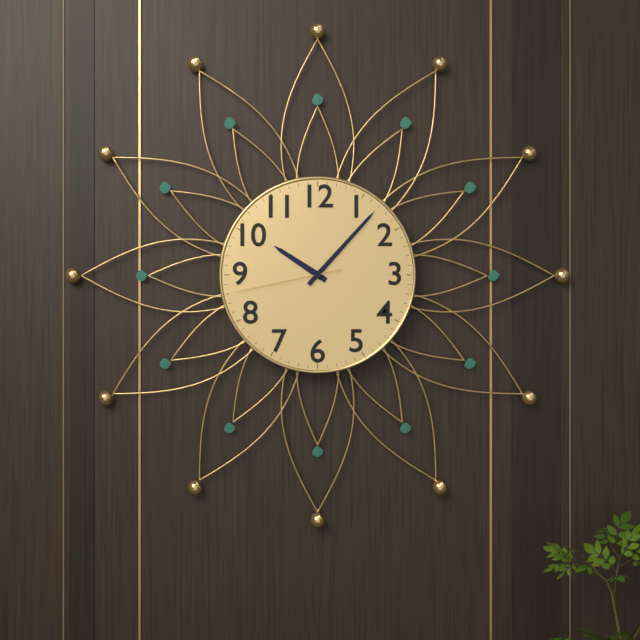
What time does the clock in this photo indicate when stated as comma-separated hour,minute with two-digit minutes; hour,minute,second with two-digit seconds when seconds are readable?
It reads 10,07,43
